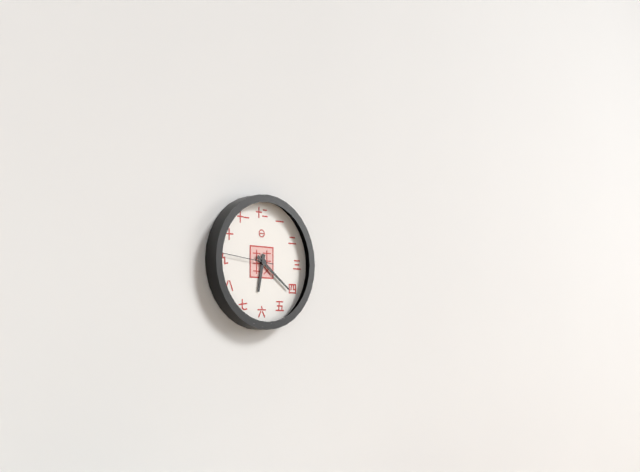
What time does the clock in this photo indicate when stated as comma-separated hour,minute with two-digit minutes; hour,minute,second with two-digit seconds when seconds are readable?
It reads 6,21
